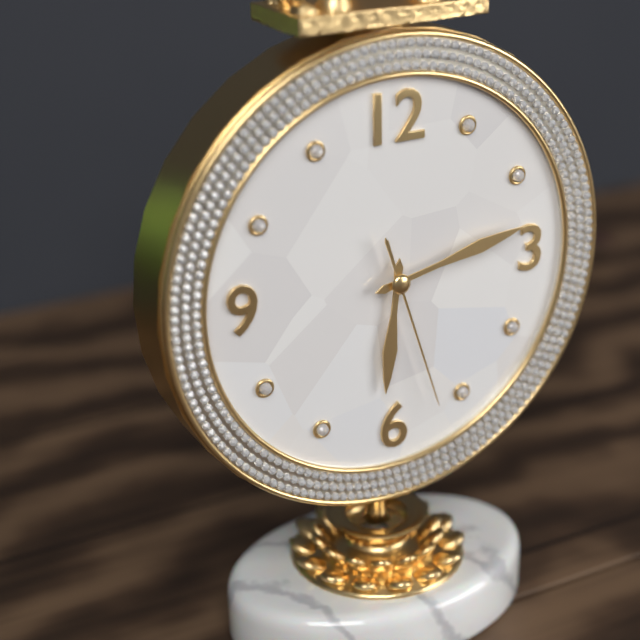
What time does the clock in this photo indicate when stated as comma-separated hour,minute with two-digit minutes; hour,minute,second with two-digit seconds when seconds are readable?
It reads 6,13,27
